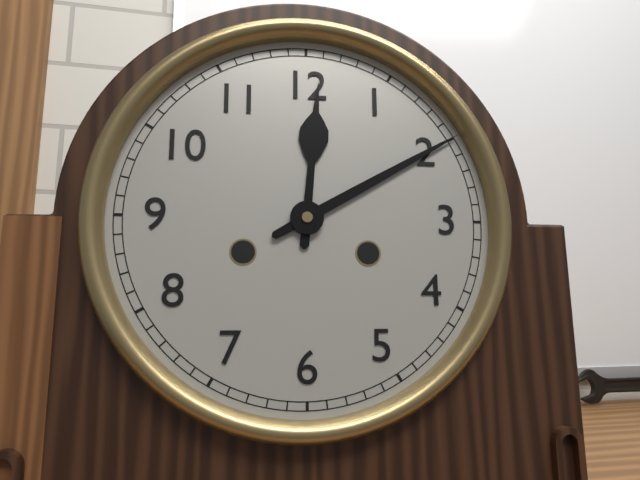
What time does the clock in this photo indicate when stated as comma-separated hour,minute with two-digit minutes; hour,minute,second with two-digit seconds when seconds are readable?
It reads 12,10
